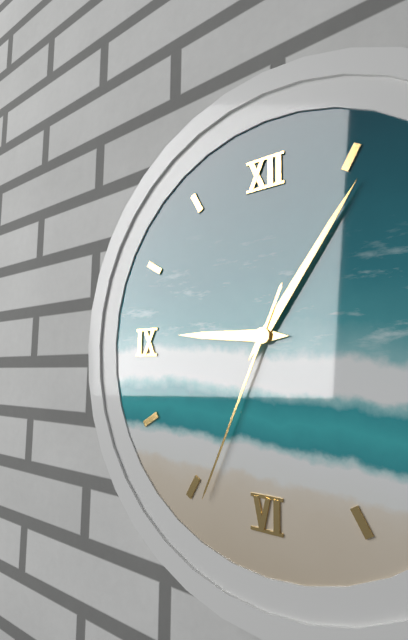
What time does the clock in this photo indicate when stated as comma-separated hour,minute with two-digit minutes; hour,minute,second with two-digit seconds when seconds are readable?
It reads 9,06,34
